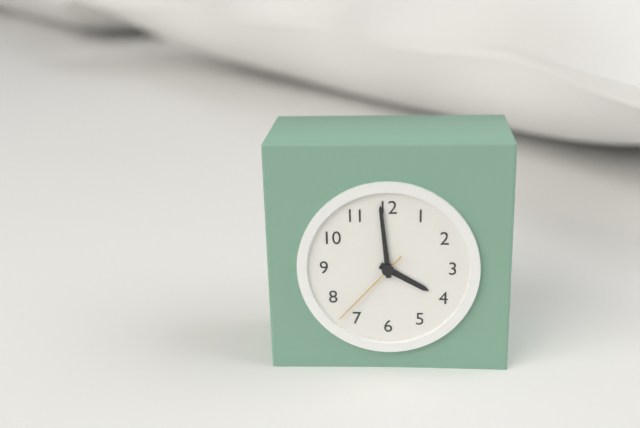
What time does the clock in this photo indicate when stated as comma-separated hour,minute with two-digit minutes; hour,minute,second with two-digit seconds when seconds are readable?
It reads 3,59,37
